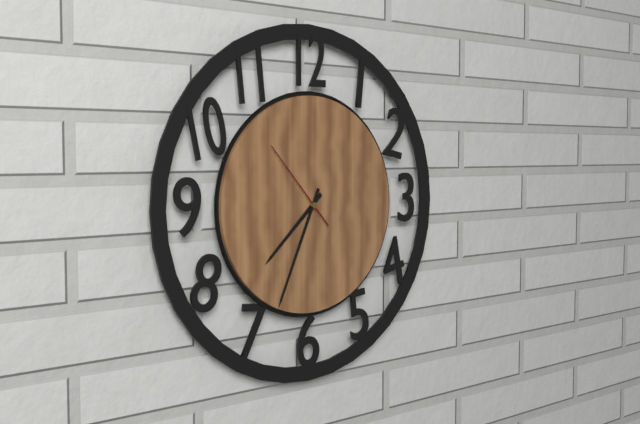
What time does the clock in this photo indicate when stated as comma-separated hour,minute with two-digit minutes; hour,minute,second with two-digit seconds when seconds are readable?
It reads 7,34,53
